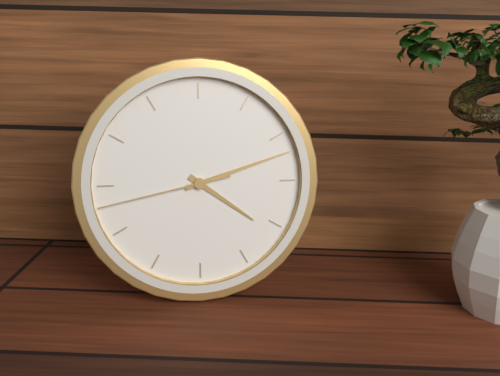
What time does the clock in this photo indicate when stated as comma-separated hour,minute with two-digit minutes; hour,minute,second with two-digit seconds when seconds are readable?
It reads 4,12,43
